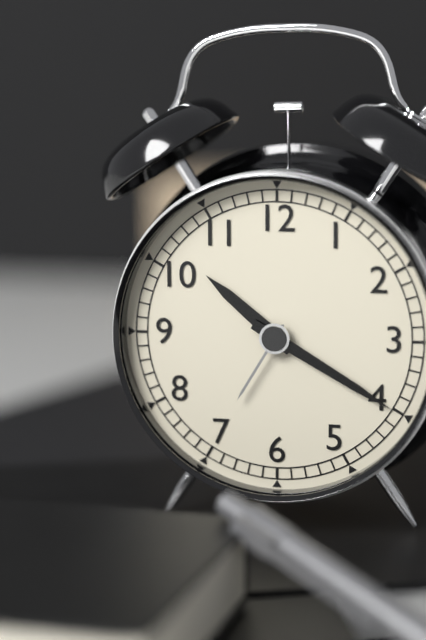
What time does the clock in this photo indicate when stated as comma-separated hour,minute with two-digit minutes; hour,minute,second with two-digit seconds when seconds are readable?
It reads 10,20
